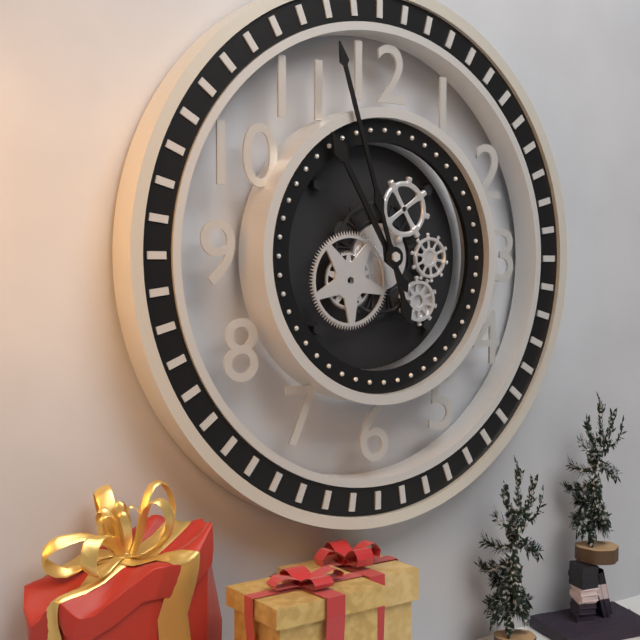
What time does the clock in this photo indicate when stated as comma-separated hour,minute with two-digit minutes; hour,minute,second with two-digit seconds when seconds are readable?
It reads 10,57
